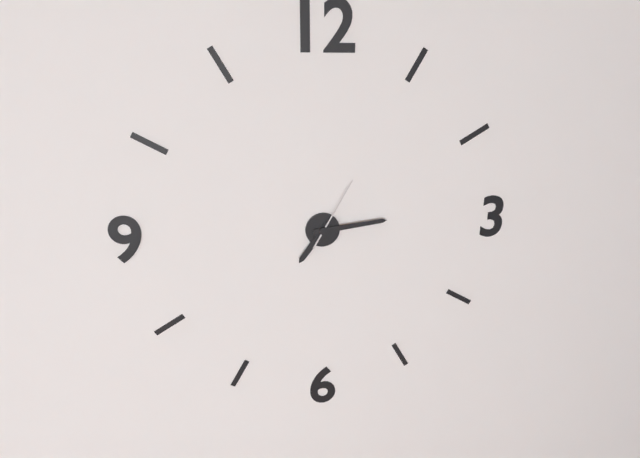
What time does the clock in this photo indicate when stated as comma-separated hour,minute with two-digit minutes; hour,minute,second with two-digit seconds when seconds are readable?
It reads 7,14,05
